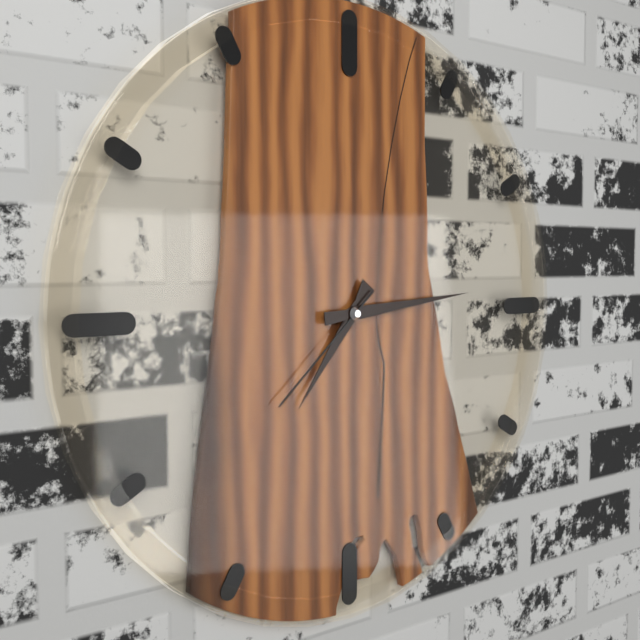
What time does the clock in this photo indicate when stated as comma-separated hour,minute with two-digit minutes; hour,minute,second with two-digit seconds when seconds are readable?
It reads 7,14,38
